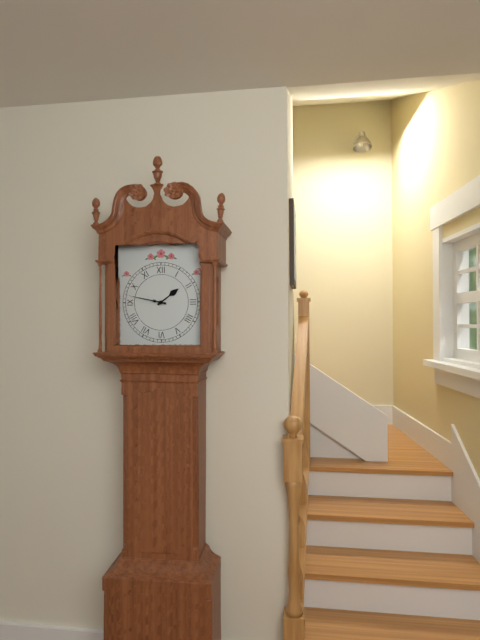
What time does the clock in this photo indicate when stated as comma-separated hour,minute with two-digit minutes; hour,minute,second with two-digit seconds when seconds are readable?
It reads 1,47
